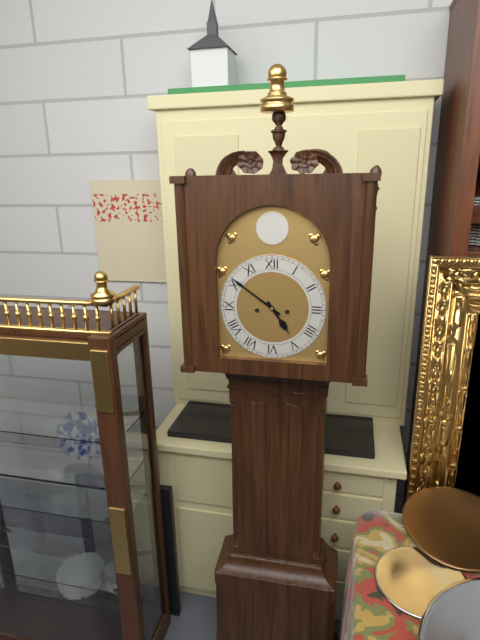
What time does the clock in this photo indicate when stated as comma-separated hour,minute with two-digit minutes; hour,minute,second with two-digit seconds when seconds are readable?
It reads 4,51
